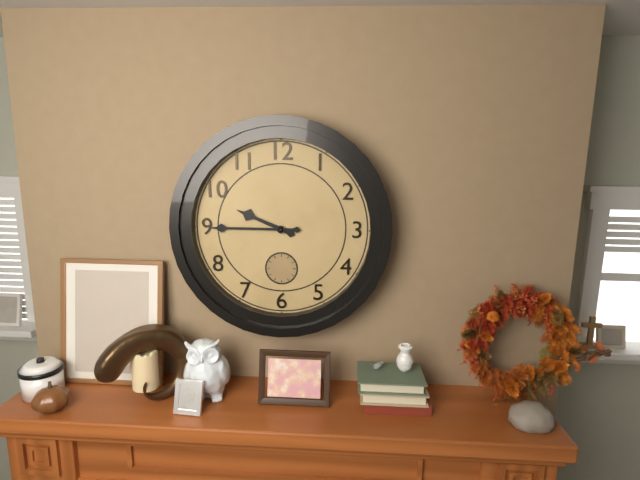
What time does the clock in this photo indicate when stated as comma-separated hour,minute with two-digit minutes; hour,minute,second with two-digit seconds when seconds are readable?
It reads 9,45
